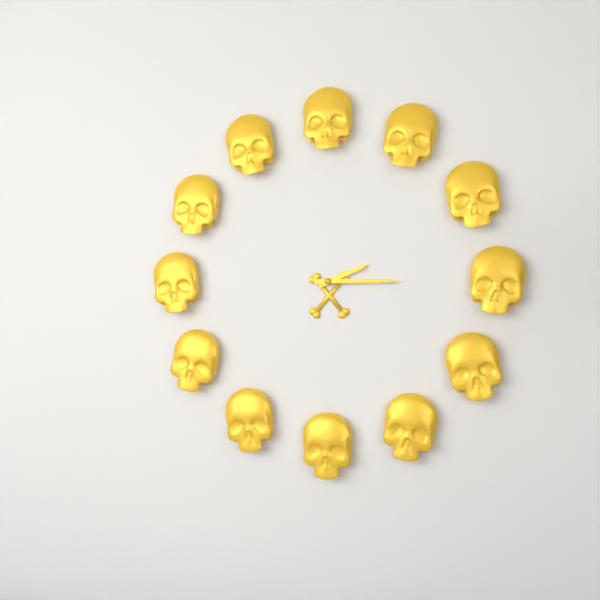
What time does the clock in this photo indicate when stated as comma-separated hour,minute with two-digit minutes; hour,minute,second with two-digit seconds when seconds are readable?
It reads 2,15
